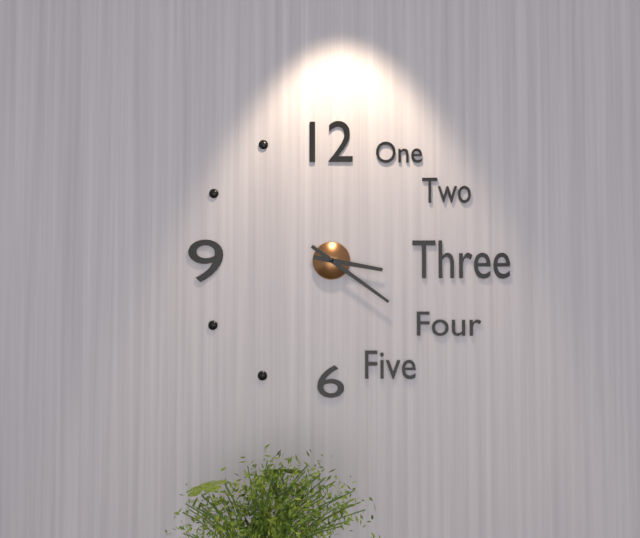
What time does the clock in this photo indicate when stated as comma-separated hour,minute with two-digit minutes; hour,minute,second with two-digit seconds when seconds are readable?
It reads 3,21
